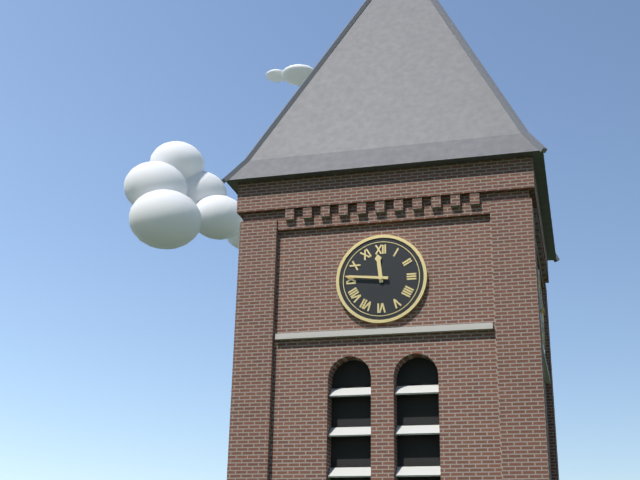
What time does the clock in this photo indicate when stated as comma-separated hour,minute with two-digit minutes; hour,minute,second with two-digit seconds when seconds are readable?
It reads 11,46
